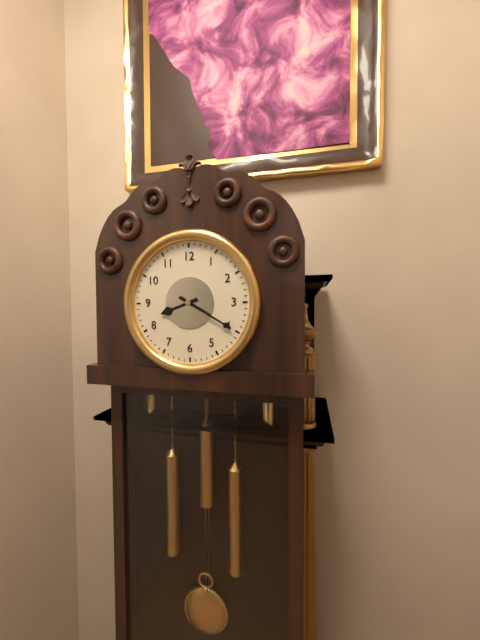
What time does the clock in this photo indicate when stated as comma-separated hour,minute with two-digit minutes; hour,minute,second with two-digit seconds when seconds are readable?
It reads 8,20
